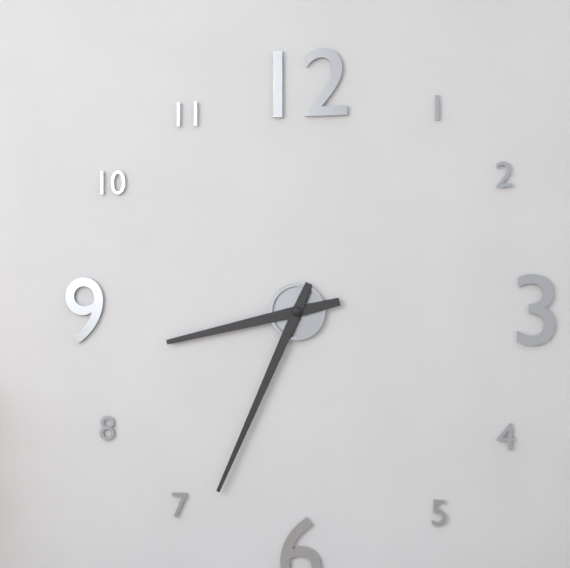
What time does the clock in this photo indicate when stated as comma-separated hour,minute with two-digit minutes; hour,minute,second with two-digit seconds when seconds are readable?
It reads 8,34
